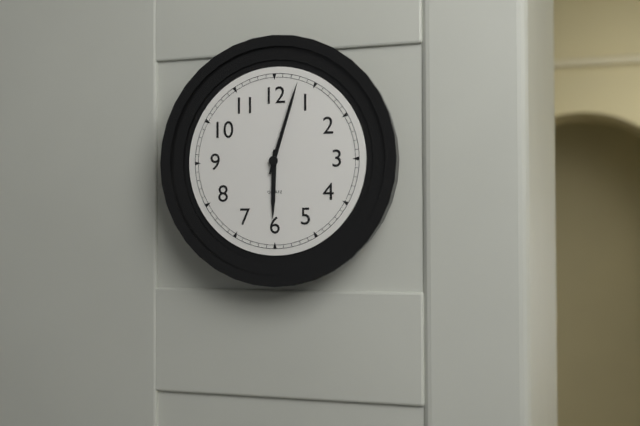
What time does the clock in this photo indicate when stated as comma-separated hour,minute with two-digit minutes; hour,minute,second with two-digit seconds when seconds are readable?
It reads 6,03
